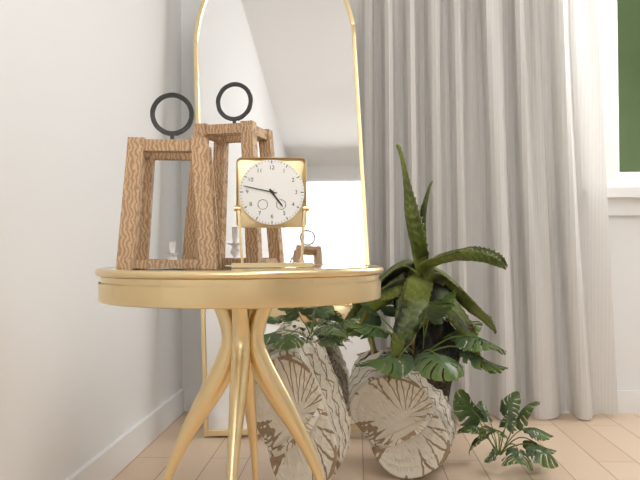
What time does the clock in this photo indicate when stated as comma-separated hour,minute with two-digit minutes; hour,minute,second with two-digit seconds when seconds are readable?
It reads 4,47
